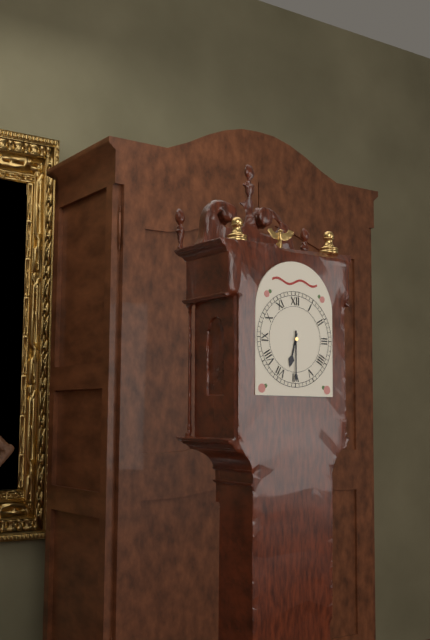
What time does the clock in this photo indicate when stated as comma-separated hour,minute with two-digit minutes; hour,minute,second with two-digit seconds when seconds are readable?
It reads 6,30
